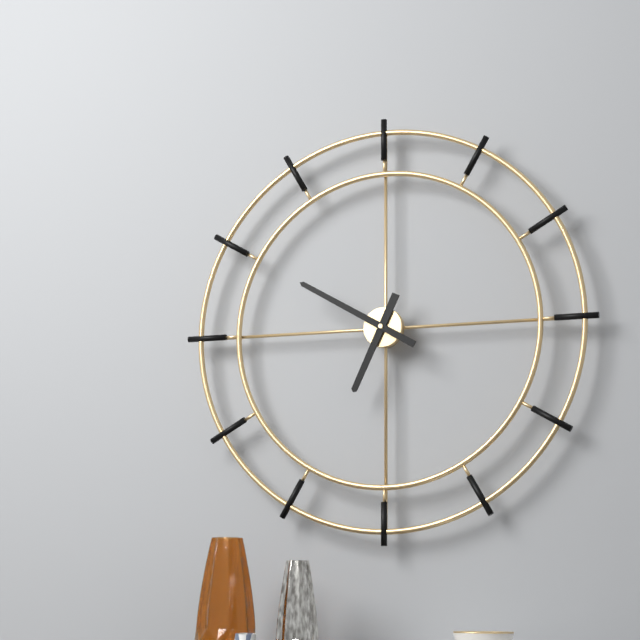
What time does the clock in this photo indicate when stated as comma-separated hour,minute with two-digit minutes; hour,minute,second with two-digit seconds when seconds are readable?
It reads 6,50
